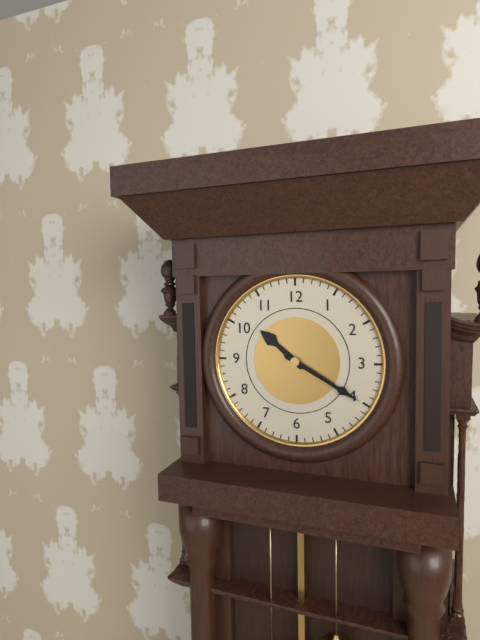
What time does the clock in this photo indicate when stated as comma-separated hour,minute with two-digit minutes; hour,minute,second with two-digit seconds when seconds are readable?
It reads 10,20
